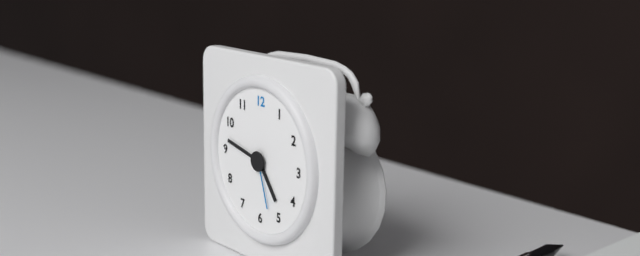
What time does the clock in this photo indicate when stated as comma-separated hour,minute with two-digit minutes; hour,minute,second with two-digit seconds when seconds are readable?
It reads 4,47,27
